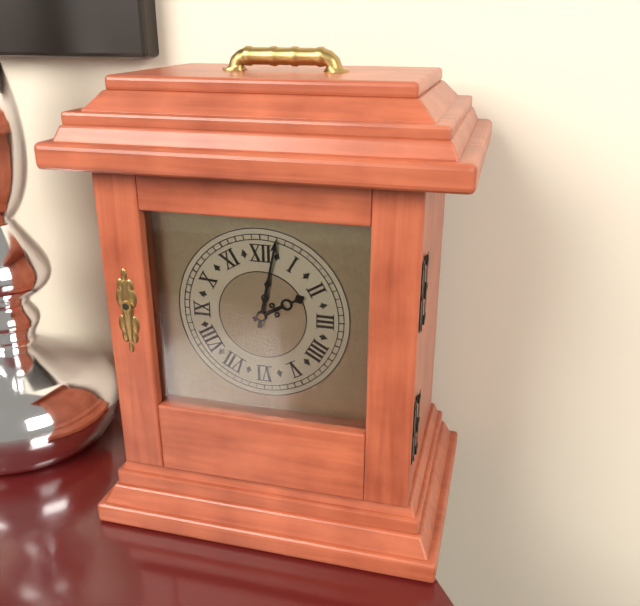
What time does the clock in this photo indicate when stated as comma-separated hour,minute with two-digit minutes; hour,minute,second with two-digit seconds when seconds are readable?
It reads 2,02
